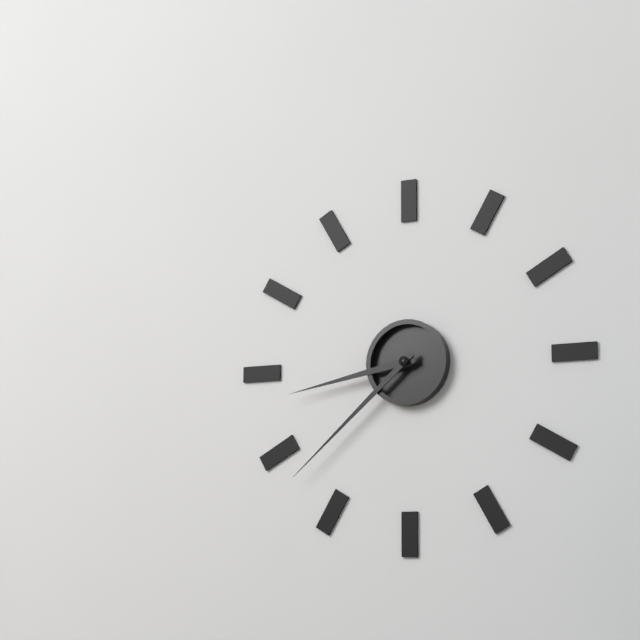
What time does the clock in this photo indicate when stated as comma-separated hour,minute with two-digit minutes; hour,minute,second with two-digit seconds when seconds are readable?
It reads 8,38
